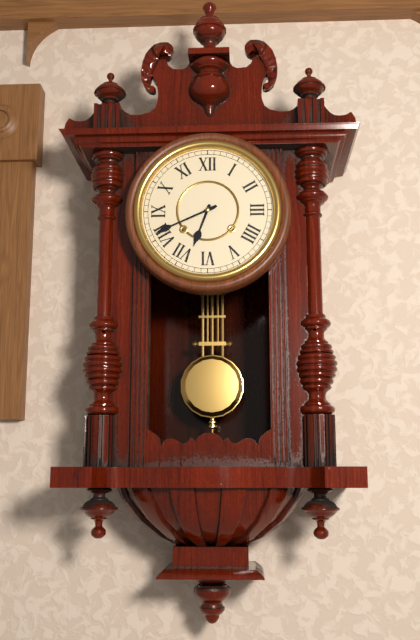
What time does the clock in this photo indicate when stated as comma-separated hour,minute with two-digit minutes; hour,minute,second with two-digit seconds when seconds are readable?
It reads 6,41
